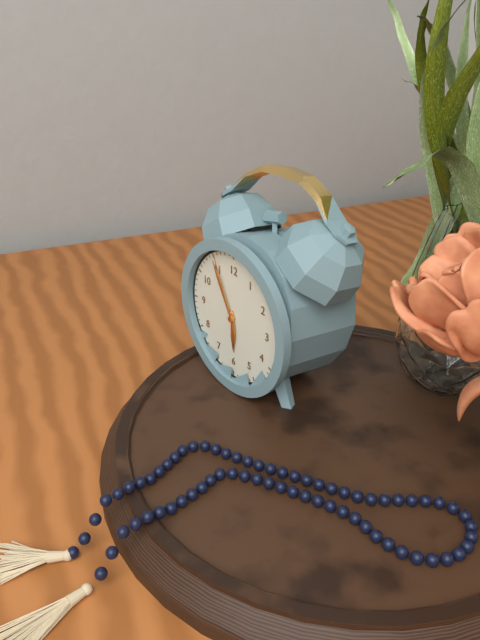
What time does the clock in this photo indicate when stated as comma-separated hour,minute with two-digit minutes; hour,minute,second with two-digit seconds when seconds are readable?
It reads 5,55,56
